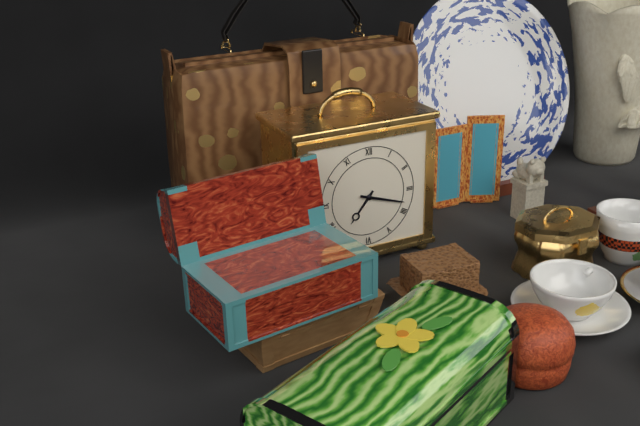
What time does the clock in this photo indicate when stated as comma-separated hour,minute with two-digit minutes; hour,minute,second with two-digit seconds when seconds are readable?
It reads 7,18
